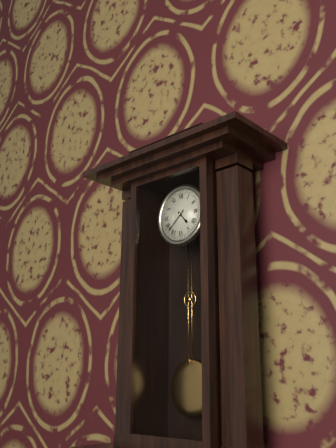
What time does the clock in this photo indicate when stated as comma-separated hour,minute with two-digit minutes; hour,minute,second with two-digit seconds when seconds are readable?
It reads 4,38
